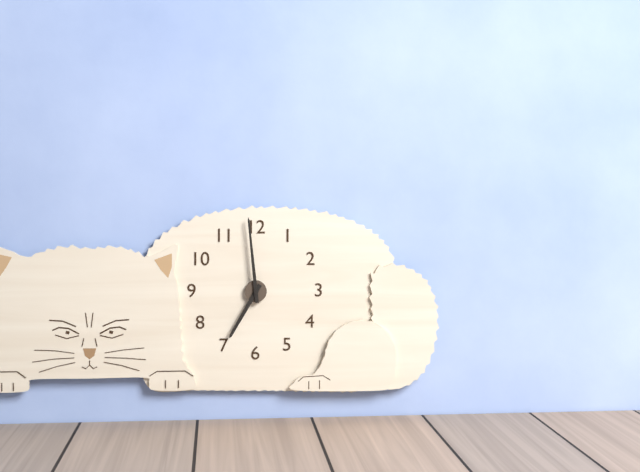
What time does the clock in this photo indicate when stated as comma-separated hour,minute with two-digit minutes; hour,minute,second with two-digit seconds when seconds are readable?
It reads 6,59
